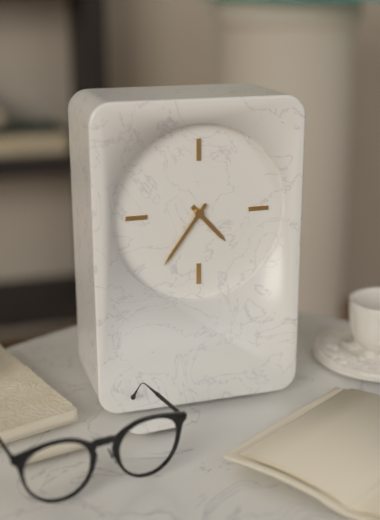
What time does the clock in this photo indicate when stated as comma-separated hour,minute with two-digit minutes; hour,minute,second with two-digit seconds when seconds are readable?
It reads 4,36
